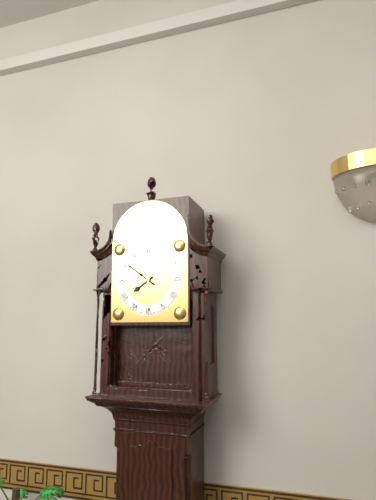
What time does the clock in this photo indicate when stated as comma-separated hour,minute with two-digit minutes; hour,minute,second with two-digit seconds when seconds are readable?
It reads 7,51
